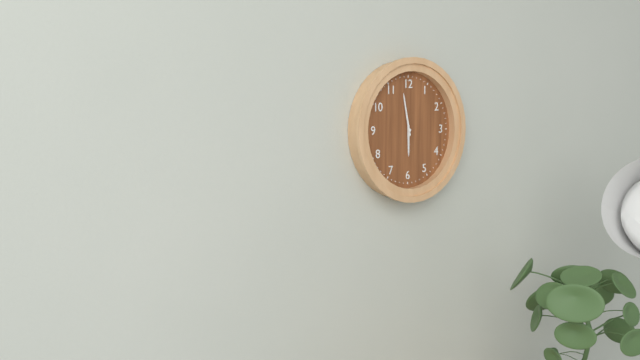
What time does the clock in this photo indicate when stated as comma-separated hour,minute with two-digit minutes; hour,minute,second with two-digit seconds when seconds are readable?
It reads 5,58
